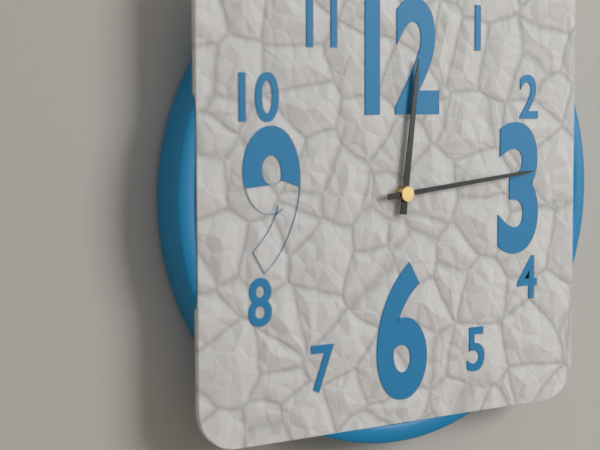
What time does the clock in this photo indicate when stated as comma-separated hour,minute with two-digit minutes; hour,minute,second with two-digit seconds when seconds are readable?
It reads 12,14
